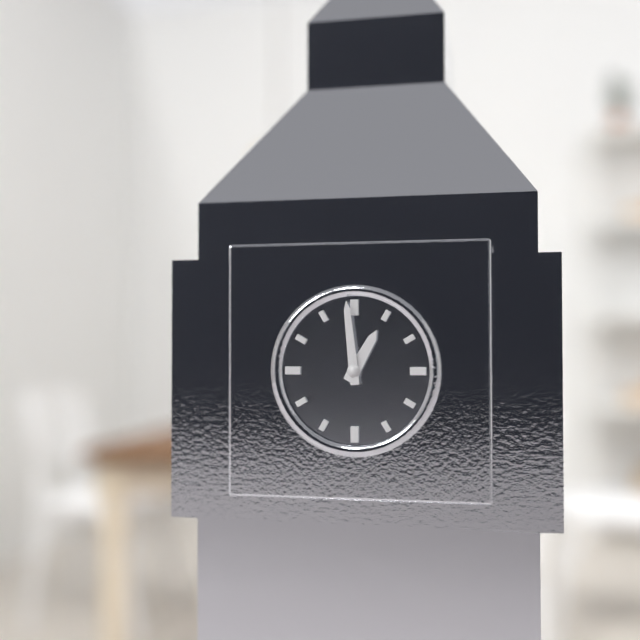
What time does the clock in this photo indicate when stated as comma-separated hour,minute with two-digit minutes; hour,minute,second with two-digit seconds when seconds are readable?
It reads 12,59
